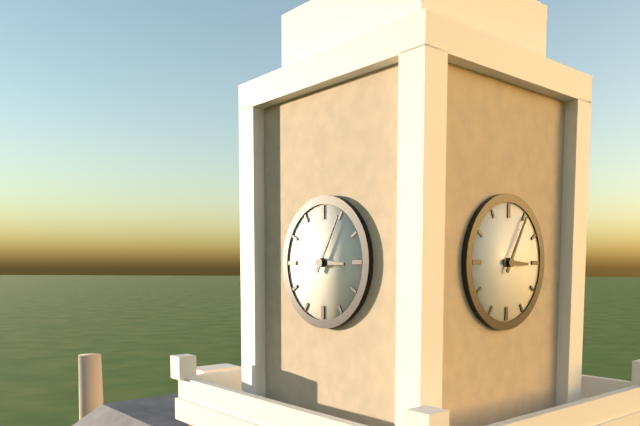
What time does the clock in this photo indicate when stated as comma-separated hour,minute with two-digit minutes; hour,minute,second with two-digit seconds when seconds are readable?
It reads 3,05
